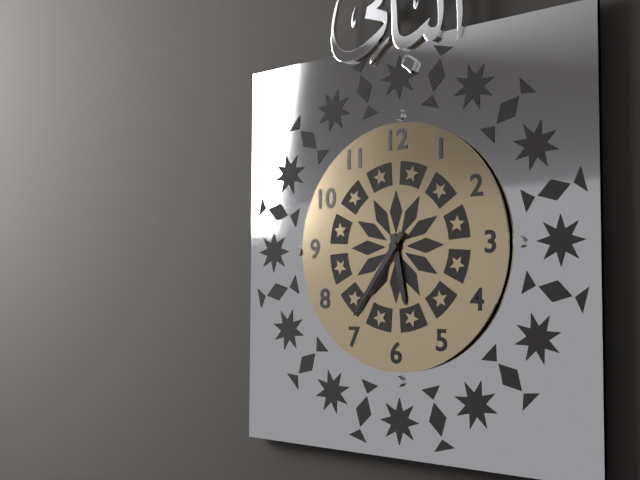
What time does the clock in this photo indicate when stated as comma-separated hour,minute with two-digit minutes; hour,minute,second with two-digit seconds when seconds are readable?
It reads 5,36
